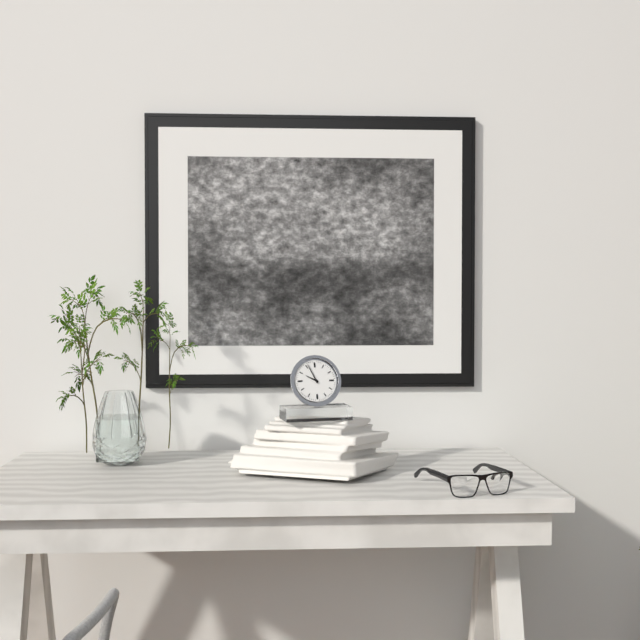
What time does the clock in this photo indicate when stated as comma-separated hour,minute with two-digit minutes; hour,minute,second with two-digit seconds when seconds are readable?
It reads 9,56
